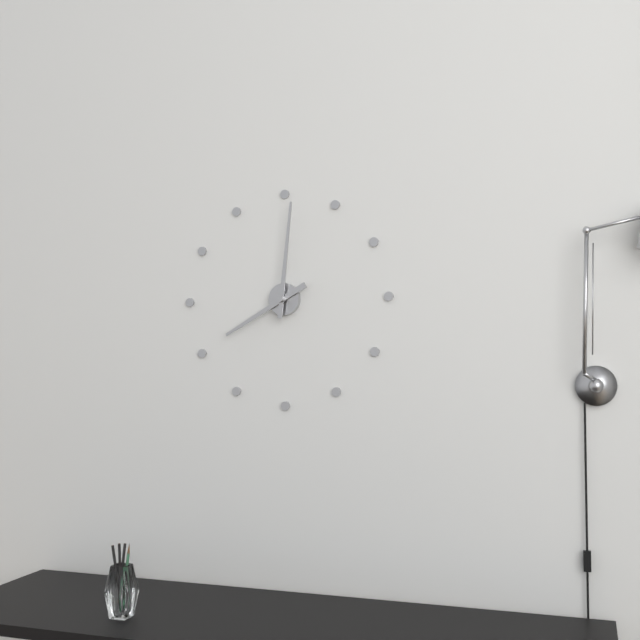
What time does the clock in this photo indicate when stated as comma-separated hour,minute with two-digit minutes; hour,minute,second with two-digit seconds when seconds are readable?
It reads 8,01
